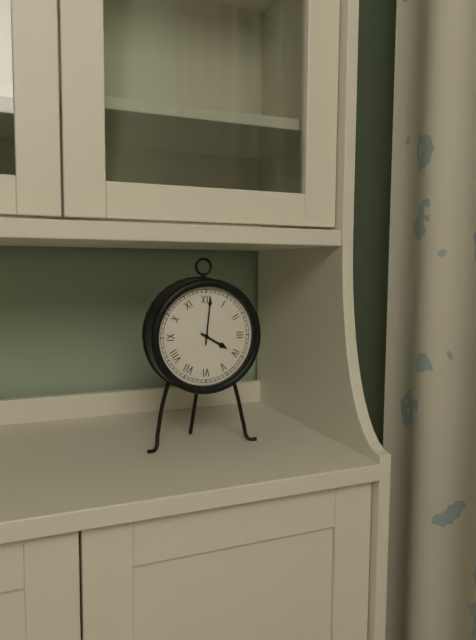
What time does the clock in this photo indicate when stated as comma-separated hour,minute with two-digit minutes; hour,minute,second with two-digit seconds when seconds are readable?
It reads 4,01
